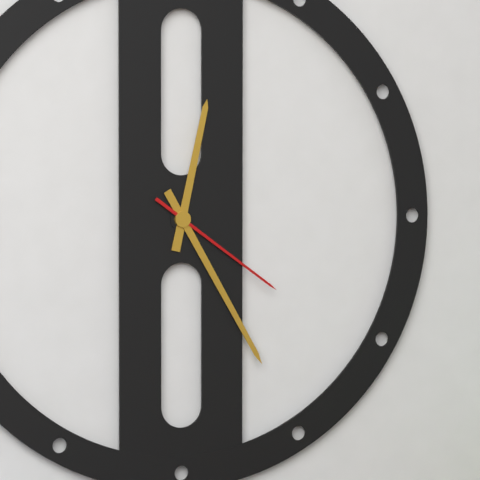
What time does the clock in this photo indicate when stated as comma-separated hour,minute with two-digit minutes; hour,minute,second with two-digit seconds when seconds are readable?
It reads 12,25,21
